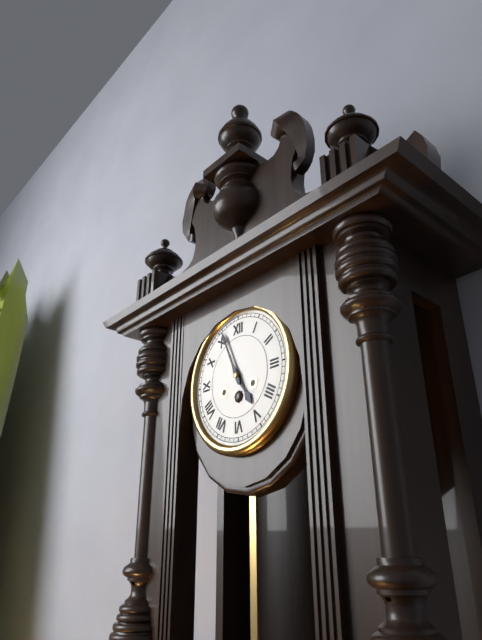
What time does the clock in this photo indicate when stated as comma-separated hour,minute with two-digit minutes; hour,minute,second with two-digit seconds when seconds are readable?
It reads 4,56
